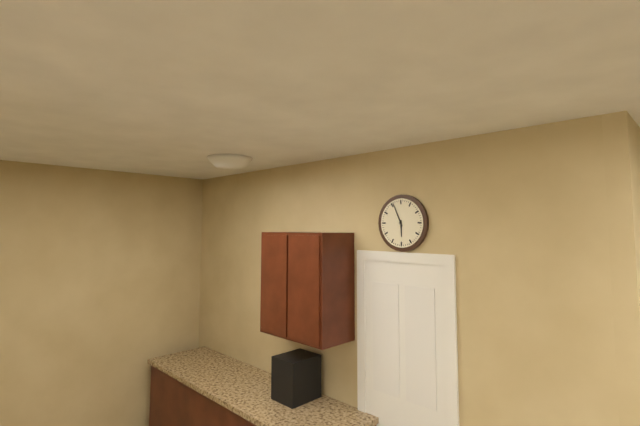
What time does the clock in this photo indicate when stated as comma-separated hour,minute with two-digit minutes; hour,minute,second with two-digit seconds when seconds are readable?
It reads 5,56
